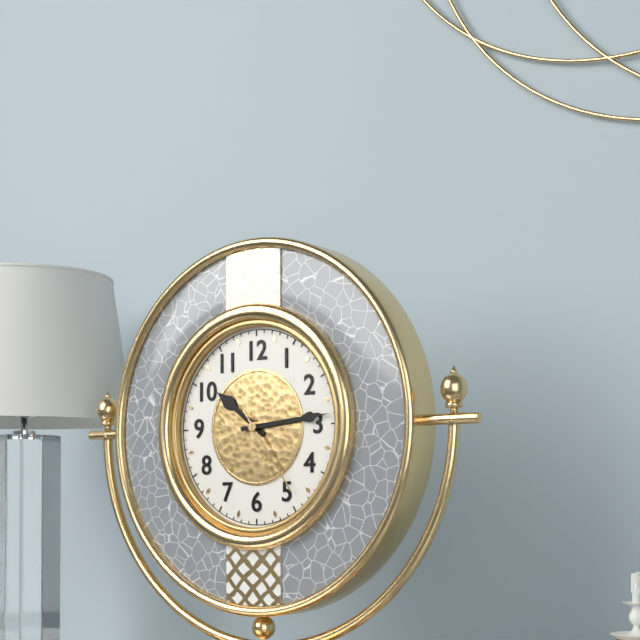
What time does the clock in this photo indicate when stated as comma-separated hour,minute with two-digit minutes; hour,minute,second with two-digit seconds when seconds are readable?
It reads 10,14,24
